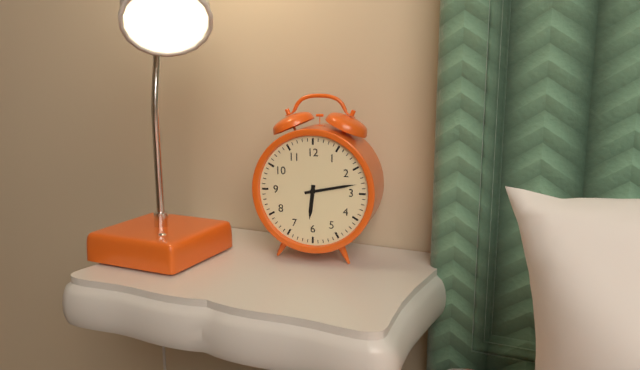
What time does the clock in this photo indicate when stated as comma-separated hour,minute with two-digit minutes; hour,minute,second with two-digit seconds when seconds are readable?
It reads 6,13
